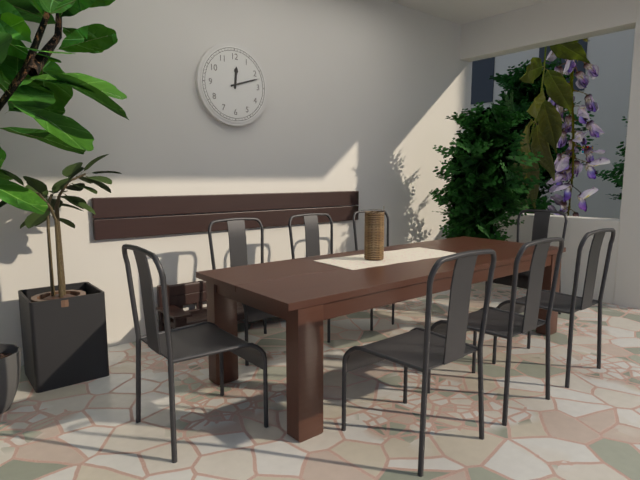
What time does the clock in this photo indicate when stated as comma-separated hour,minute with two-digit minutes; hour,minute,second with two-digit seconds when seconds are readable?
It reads 12,12
